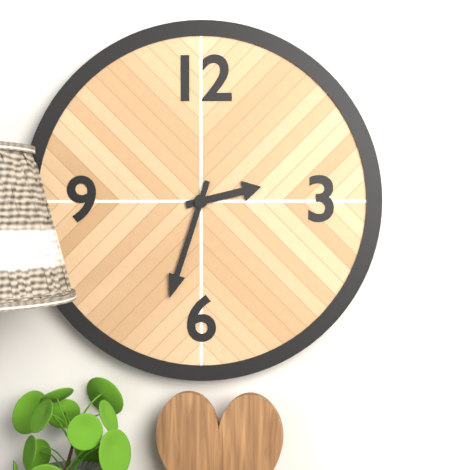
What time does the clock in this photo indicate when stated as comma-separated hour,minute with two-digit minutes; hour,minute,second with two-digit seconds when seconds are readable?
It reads 2,33
